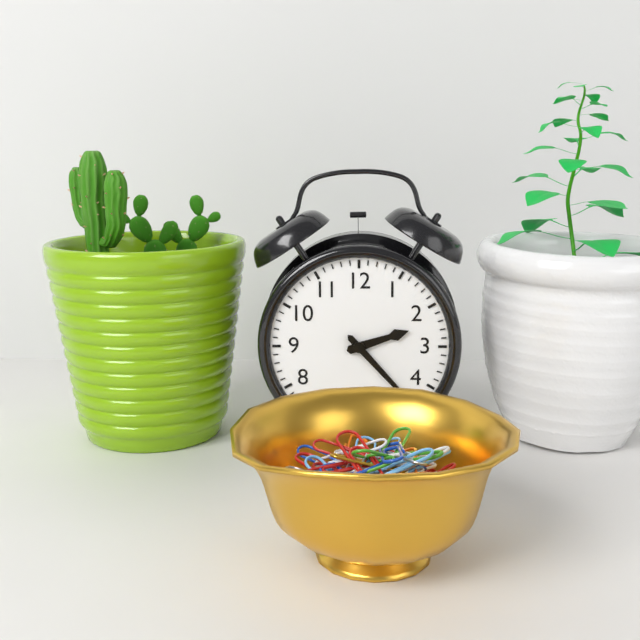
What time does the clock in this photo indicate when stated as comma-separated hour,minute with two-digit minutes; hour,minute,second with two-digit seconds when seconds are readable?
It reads 2,23
